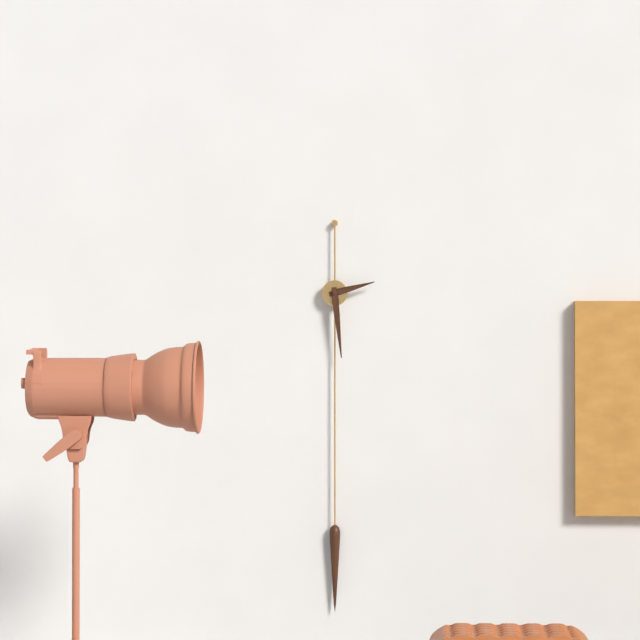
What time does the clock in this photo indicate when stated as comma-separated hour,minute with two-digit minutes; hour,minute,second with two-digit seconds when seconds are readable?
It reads 2,29
